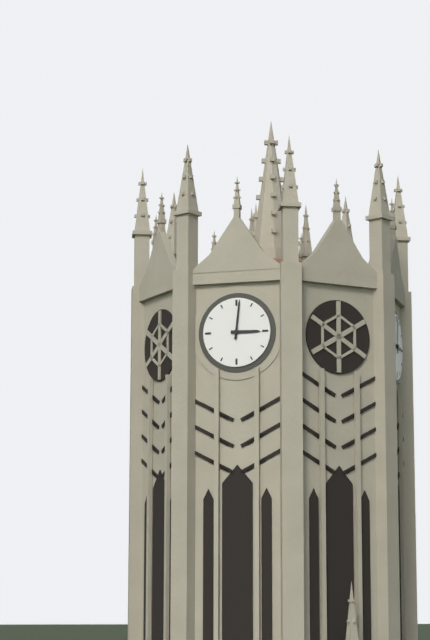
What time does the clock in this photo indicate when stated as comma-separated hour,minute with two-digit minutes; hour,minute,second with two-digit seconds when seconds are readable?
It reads 3,01
